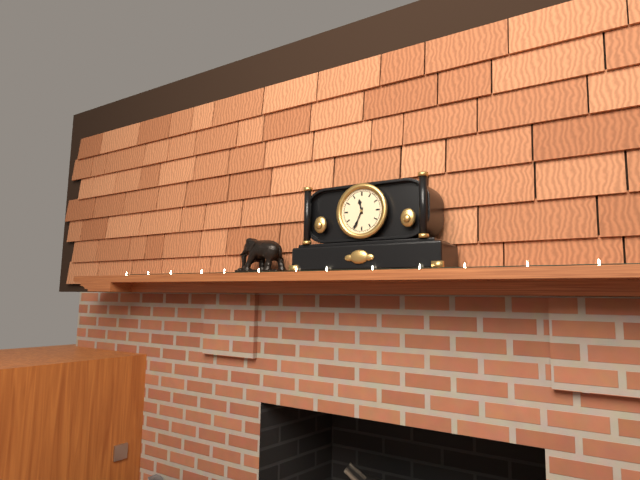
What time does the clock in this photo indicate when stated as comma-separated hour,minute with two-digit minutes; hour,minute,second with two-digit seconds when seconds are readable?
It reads 11,34
